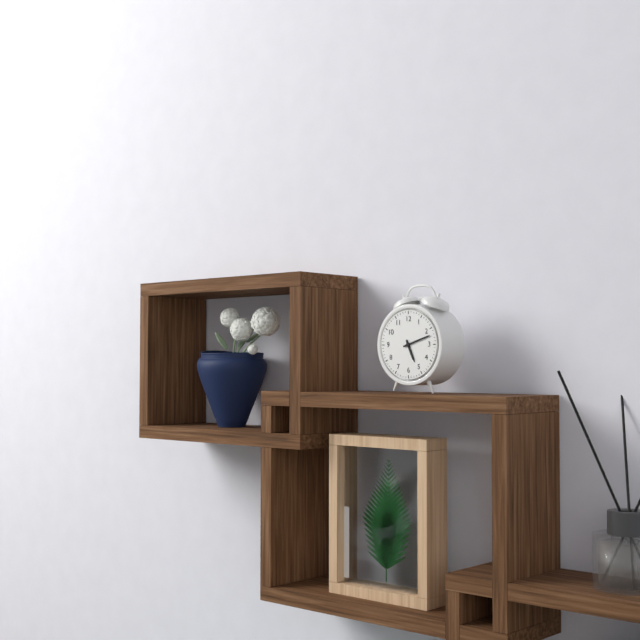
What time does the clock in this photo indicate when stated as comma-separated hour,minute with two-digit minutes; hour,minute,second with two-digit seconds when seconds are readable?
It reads 5,12
